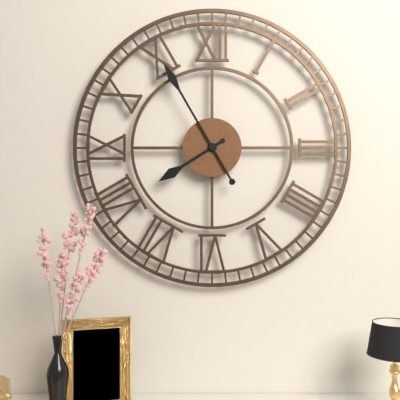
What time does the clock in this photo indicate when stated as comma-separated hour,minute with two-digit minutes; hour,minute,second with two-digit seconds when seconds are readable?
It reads 7,55
